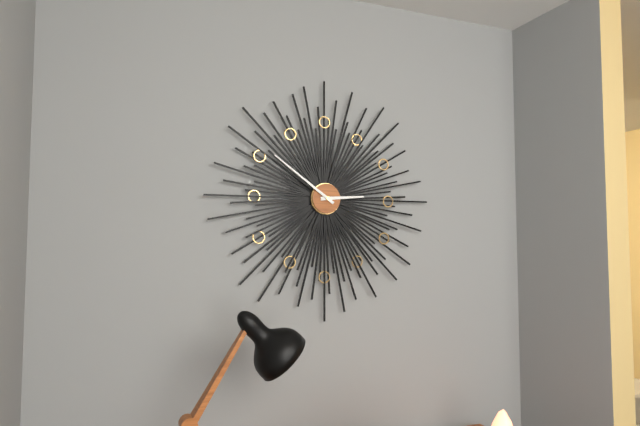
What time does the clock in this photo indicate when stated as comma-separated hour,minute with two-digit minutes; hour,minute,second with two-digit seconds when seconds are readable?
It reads 2,51
